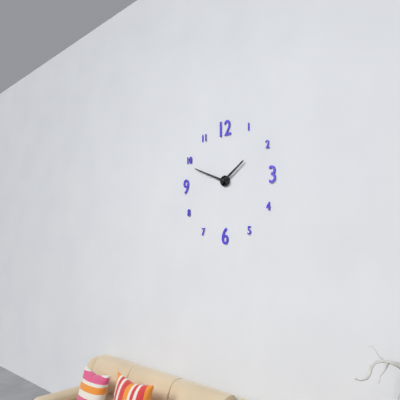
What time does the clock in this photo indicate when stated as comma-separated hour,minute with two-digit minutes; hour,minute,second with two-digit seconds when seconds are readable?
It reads 1,49
